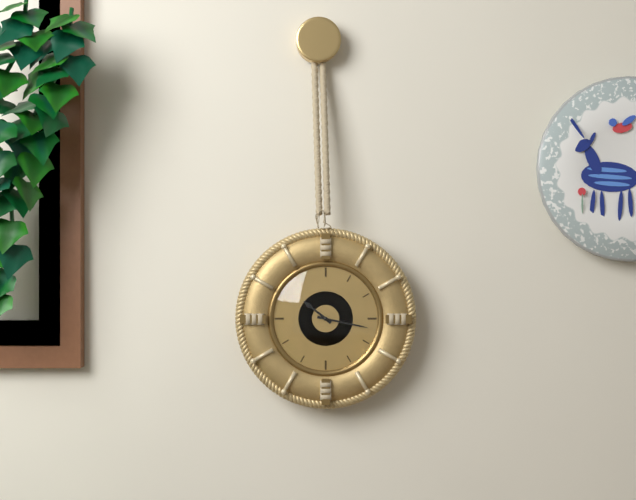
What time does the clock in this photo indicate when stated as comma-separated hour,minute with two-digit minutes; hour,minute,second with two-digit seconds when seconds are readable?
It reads 10,17
